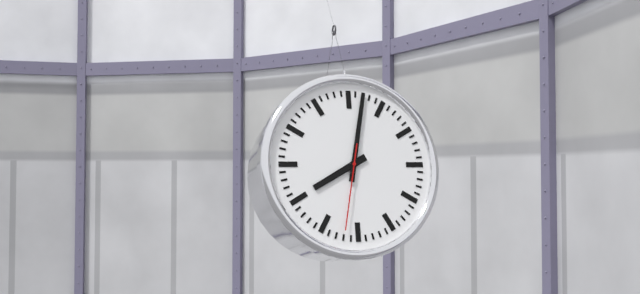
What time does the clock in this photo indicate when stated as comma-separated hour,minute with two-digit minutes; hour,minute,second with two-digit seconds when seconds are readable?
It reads 8,02,32
